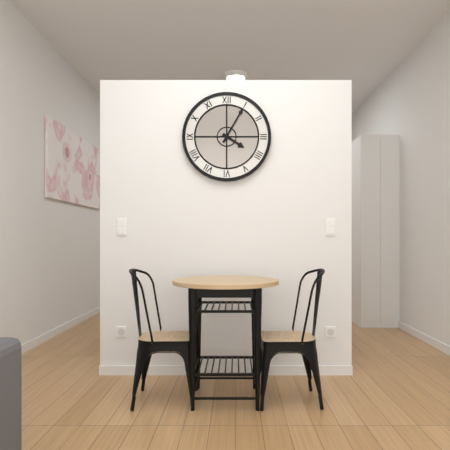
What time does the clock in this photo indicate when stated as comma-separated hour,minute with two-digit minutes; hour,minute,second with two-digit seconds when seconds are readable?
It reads 4,05
